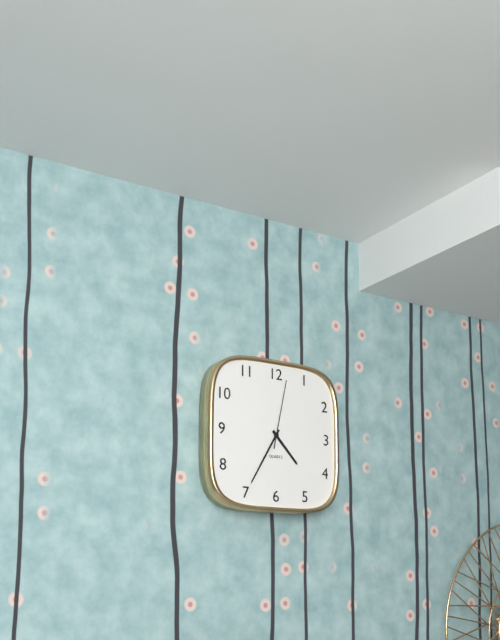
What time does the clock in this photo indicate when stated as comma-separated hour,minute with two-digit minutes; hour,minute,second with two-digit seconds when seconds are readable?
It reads 4,35,02
